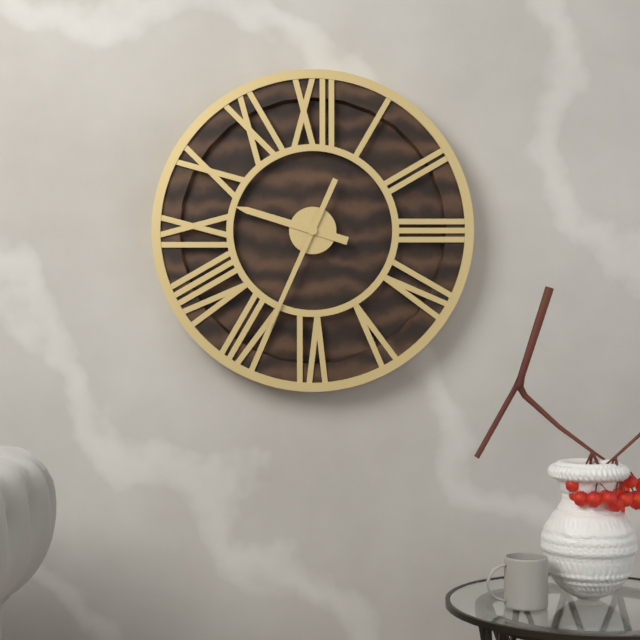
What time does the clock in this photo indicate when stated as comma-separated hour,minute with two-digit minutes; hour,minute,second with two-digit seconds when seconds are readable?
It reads 9,34
